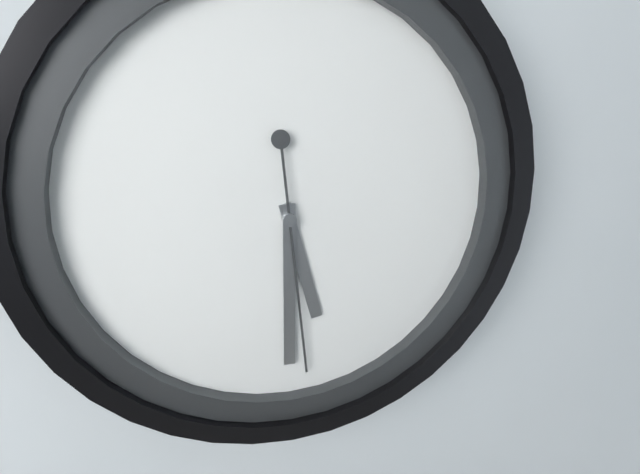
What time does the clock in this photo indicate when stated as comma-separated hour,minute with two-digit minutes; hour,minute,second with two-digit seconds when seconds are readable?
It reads 5,30,29
